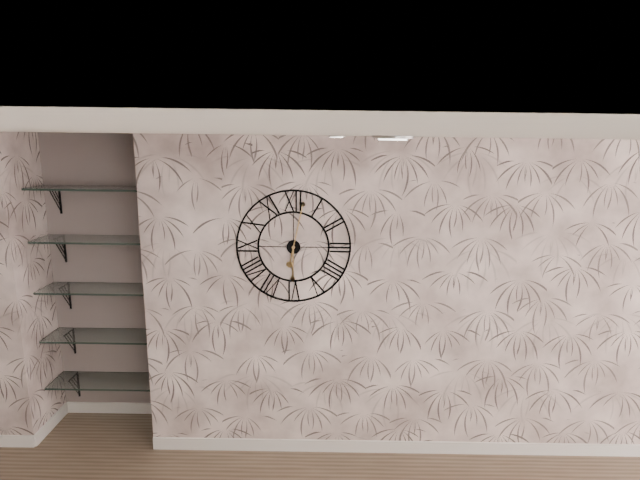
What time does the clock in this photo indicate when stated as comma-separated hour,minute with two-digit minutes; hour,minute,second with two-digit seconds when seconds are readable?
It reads 6,02
